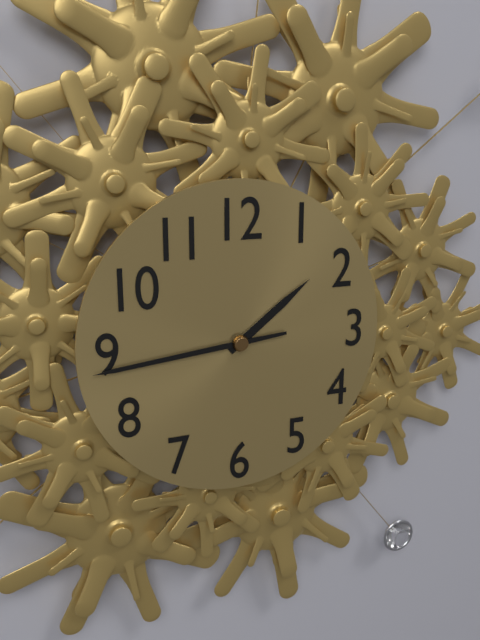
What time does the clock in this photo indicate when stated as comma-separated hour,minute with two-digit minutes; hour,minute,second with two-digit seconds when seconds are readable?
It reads 1,44
